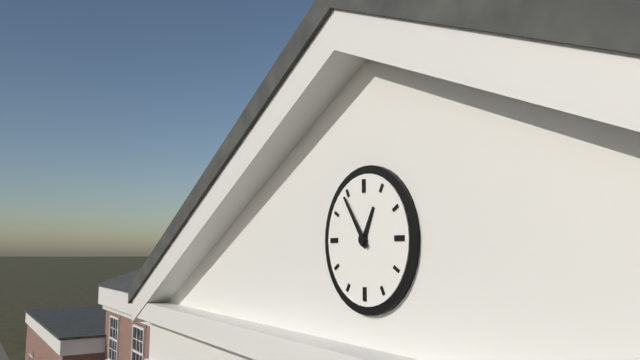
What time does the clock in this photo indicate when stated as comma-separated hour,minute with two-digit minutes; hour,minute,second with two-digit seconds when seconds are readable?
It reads 12,54
